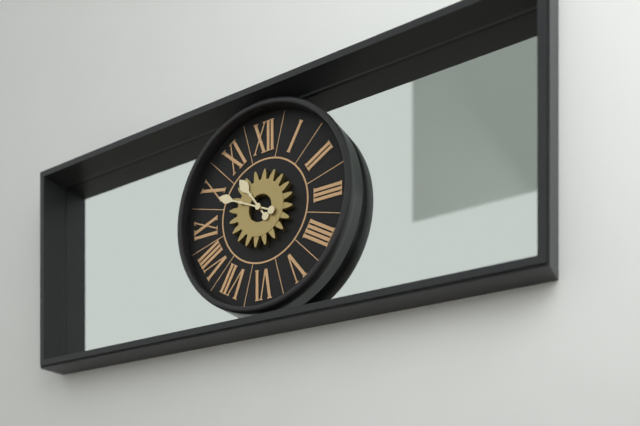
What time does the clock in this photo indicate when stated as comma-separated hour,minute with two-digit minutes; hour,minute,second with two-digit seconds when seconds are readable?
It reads 10,49
